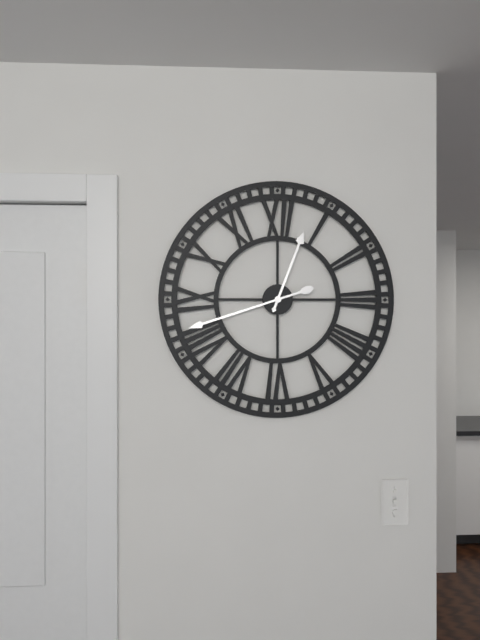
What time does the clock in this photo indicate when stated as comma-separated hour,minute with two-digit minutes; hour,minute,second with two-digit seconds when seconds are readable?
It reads 12,42
